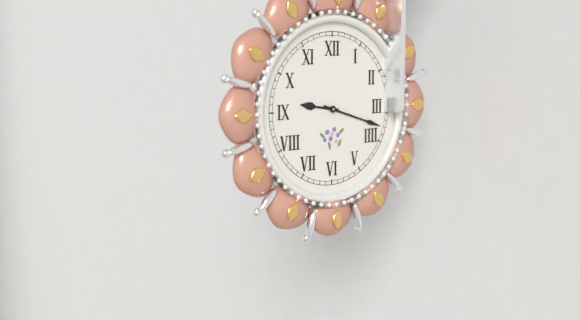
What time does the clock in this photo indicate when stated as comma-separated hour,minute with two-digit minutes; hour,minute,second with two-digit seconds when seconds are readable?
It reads 9,18
